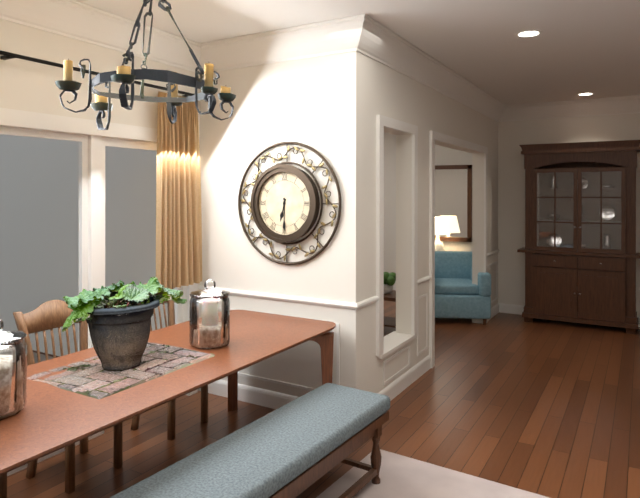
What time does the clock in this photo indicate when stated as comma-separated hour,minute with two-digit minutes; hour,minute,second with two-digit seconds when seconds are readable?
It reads 6,30
